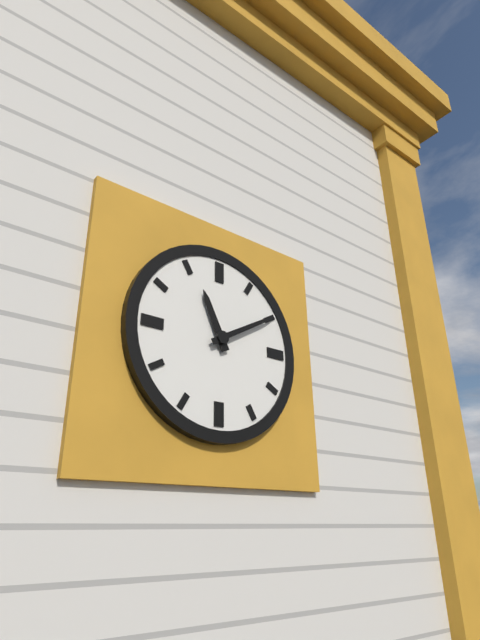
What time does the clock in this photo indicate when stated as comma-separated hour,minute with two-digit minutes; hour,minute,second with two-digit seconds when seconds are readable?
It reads 11,10
